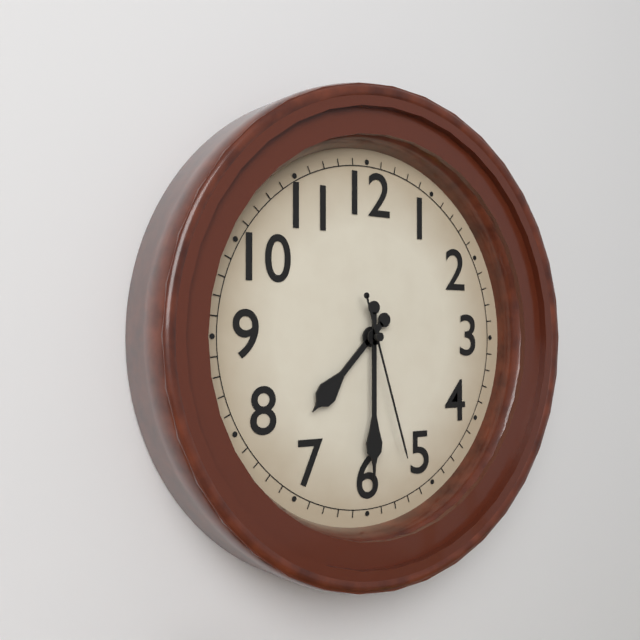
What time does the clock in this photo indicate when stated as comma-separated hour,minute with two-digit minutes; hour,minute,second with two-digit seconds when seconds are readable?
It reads 7,30,27
